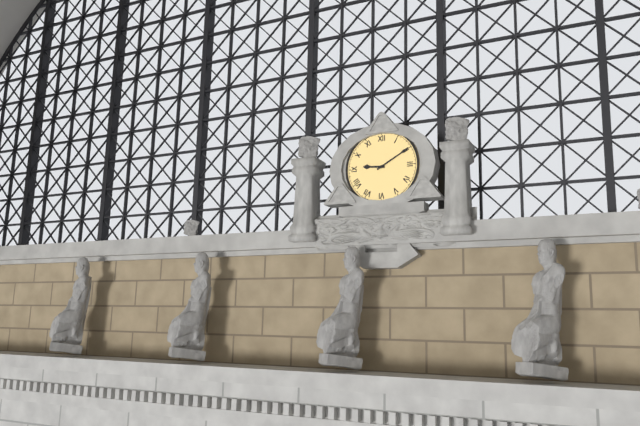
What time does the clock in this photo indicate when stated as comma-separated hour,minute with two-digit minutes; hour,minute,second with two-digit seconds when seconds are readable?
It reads 9,10
